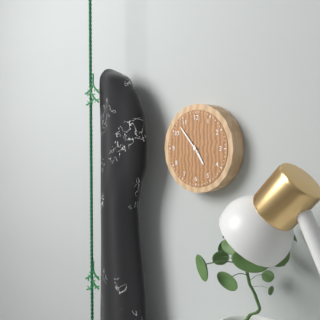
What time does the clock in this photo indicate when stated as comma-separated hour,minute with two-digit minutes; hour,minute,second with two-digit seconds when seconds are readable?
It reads 4,53
